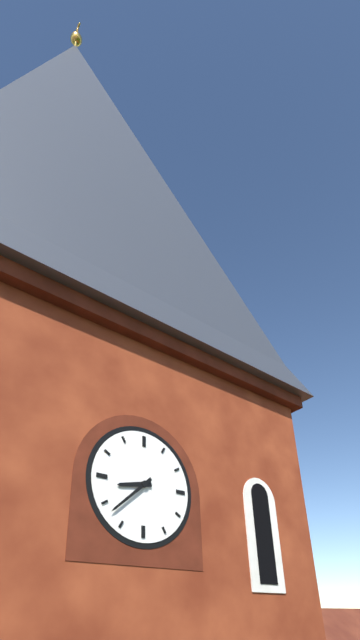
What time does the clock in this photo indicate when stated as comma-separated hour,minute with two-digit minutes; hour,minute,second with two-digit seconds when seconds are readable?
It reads 8,38
